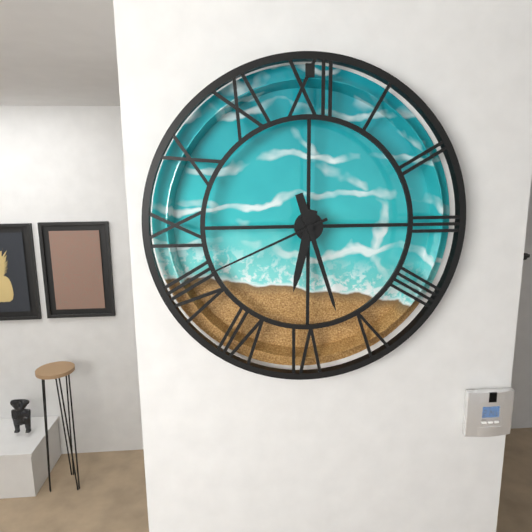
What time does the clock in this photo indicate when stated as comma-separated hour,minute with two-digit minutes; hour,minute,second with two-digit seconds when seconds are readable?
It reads 6,27,41
